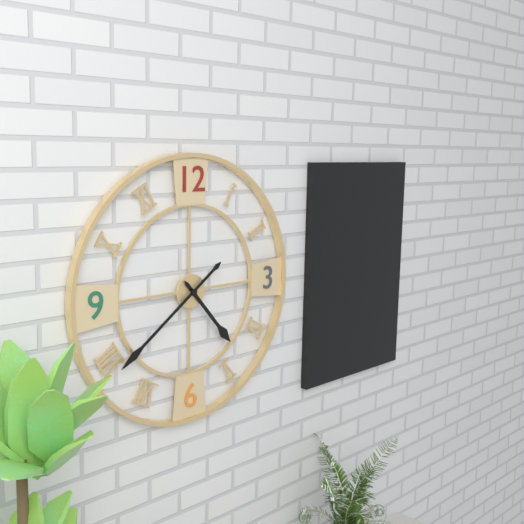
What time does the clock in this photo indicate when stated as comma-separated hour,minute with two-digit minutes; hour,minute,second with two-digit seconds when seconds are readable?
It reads 4,39
